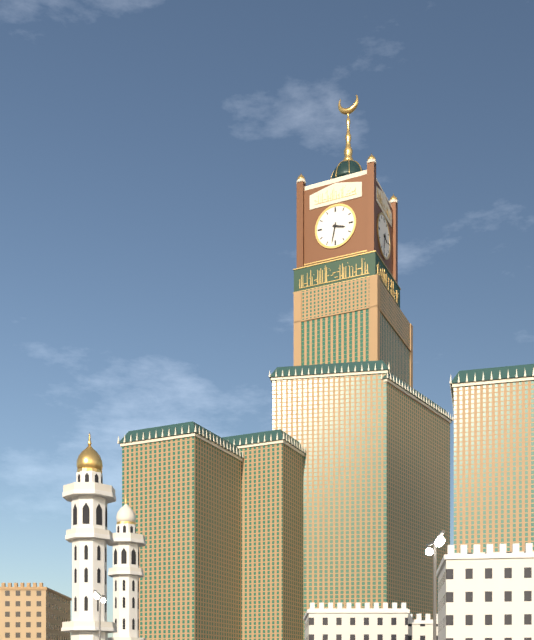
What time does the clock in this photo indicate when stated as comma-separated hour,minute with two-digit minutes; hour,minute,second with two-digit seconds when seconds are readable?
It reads 3,32
